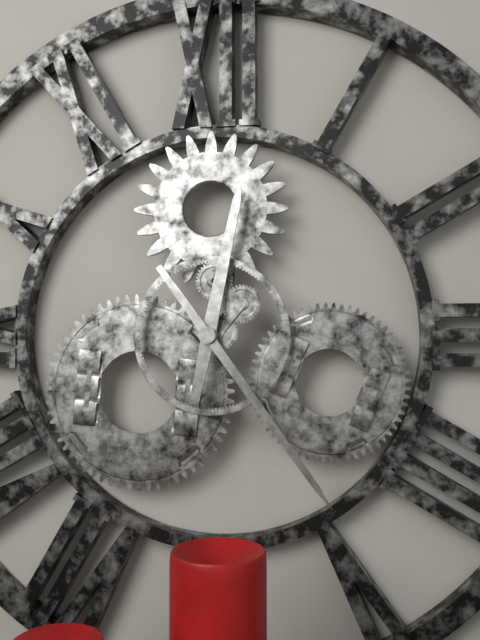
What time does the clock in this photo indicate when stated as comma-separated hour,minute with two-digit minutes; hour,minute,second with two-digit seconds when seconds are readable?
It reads 12,24
